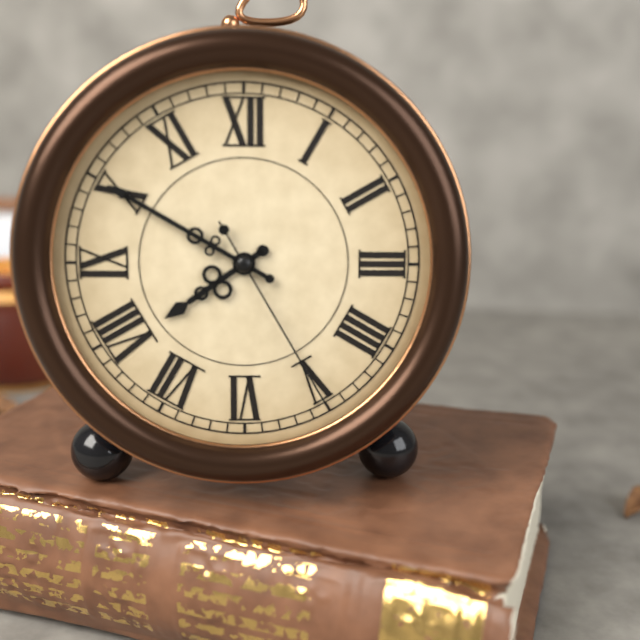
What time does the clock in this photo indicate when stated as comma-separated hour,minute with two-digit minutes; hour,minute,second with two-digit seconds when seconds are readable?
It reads 7,50,25
